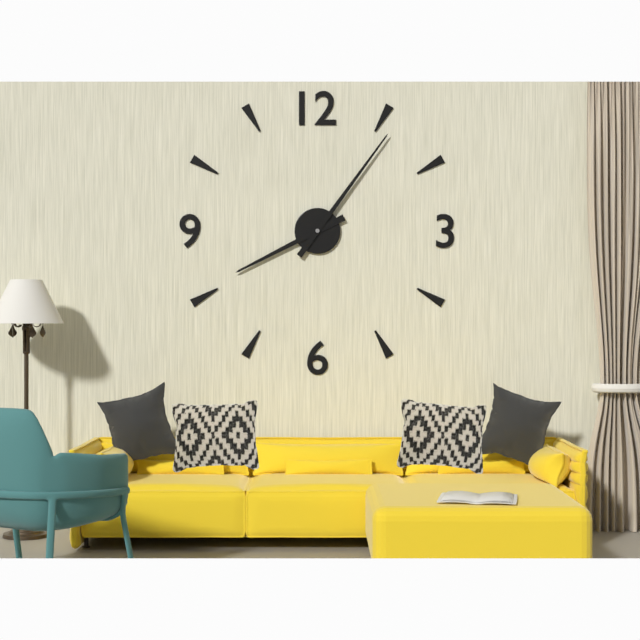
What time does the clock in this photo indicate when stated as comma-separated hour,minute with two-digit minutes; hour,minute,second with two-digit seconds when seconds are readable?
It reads 8,06
